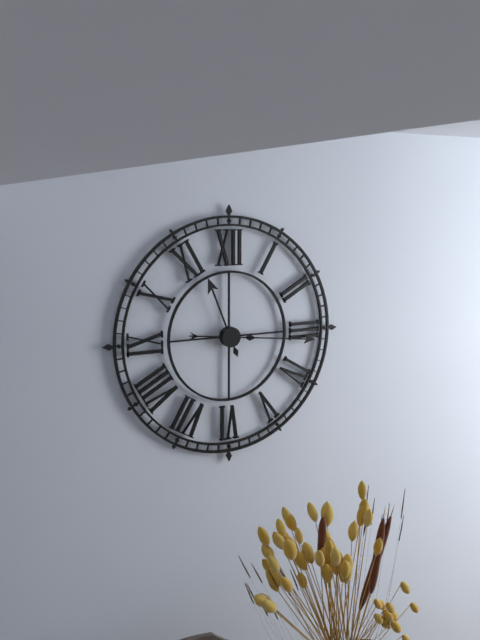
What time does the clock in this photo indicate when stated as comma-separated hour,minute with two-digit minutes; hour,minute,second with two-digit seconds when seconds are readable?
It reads 11,16
